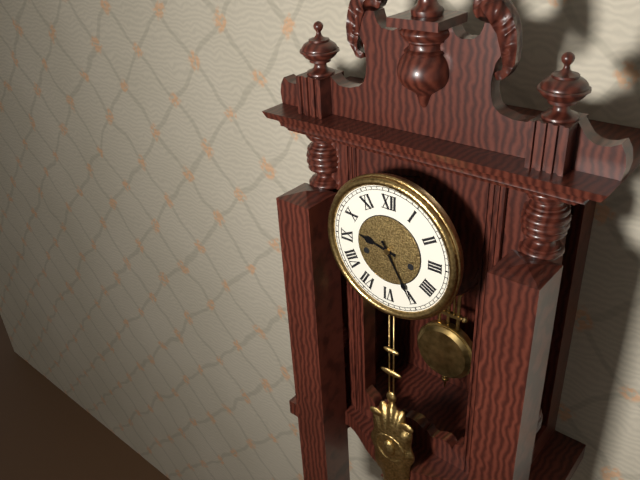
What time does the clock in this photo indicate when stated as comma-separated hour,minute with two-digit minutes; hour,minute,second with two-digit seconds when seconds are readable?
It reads 9,25
